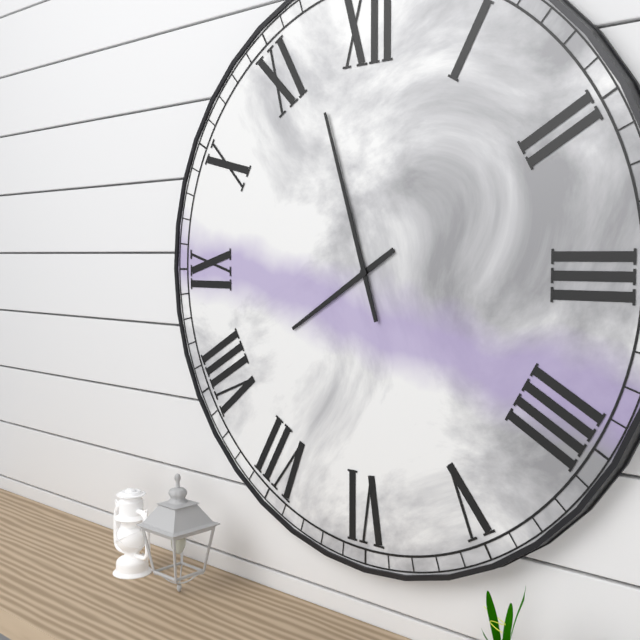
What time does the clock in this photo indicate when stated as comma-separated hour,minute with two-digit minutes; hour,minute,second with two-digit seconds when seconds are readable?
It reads 7,57
